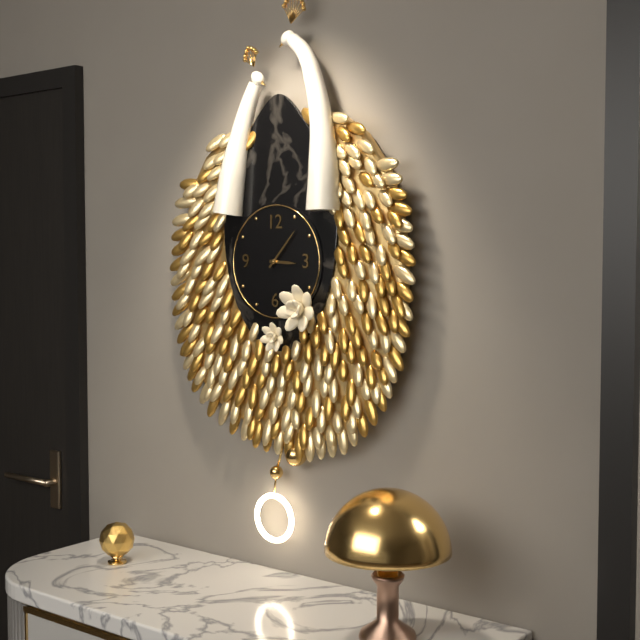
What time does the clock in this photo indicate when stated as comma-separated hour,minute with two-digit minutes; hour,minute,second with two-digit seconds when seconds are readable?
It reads 3,07
